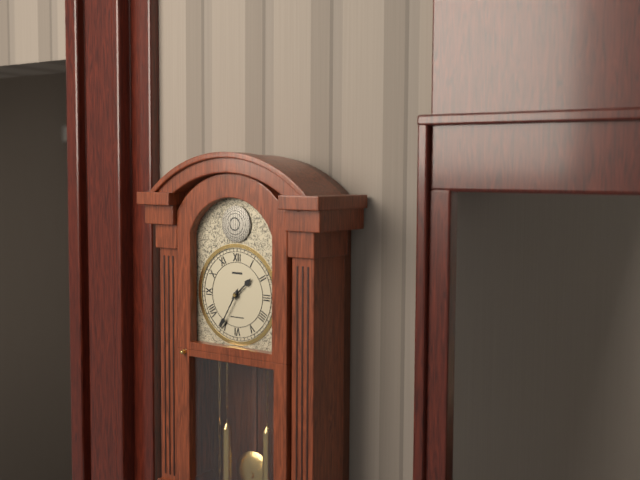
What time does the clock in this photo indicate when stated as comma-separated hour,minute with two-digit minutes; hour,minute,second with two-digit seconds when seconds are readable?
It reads 1,35
